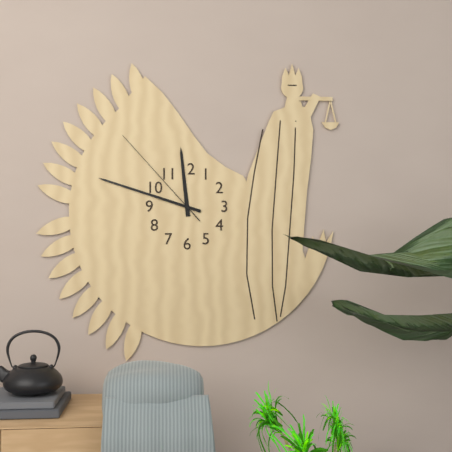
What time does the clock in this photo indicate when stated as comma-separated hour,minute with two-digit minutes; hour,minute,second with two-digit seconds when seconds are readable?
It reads 11,48,53
